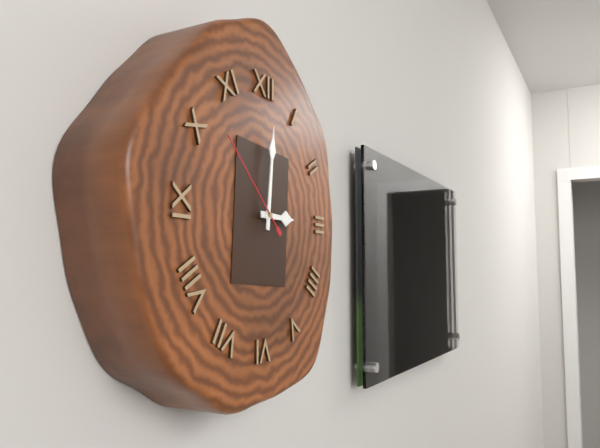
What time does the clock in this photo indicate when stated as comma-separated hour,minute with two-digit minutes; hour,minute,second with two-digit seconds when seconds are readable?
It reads 3,01,52
